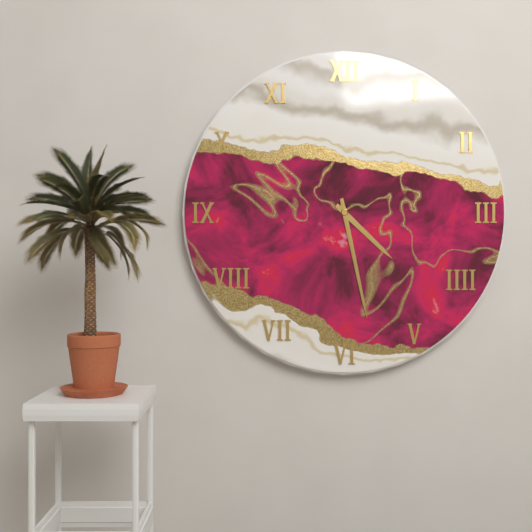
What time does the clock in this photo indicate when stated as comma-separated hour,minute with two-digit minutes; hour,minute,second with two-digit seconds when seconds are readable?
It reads 4,28,28
